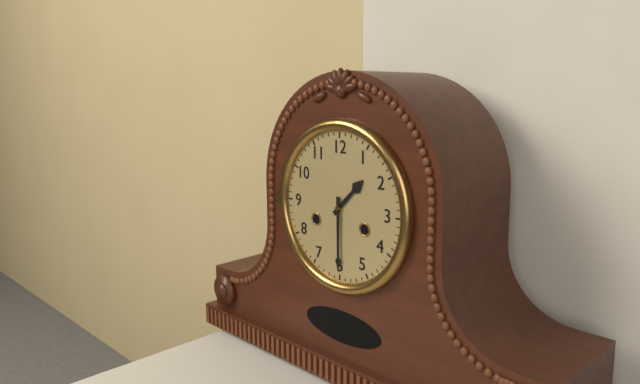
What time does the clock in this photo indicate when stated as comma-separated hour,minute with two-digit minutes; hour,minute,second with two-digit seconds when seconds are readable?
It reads 1,30
